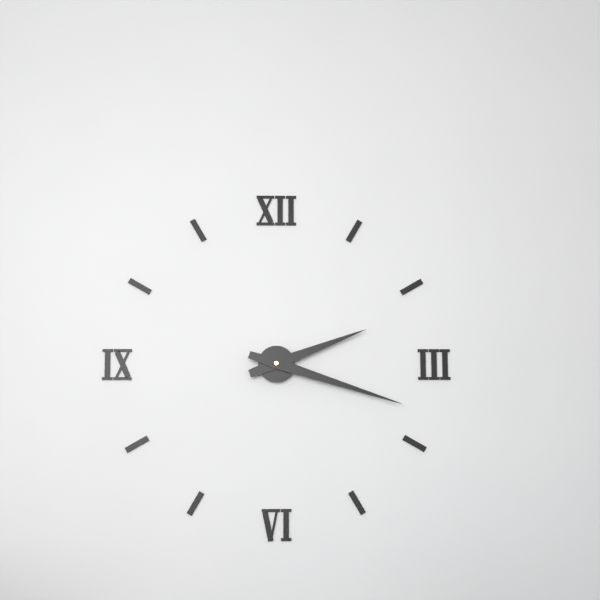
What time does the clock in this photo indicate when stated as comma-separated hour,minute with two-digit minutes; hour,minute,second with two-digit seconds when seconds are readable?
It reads 2,18
